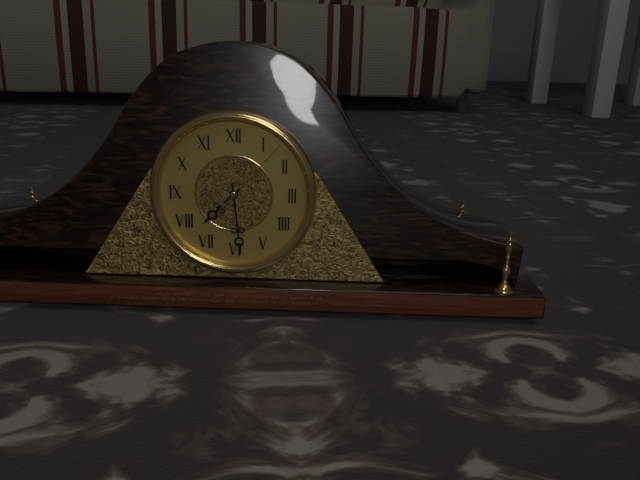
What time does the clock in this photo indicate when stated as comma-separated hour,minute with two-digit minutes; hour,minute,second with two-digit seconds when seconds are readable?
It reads 7,29,07
